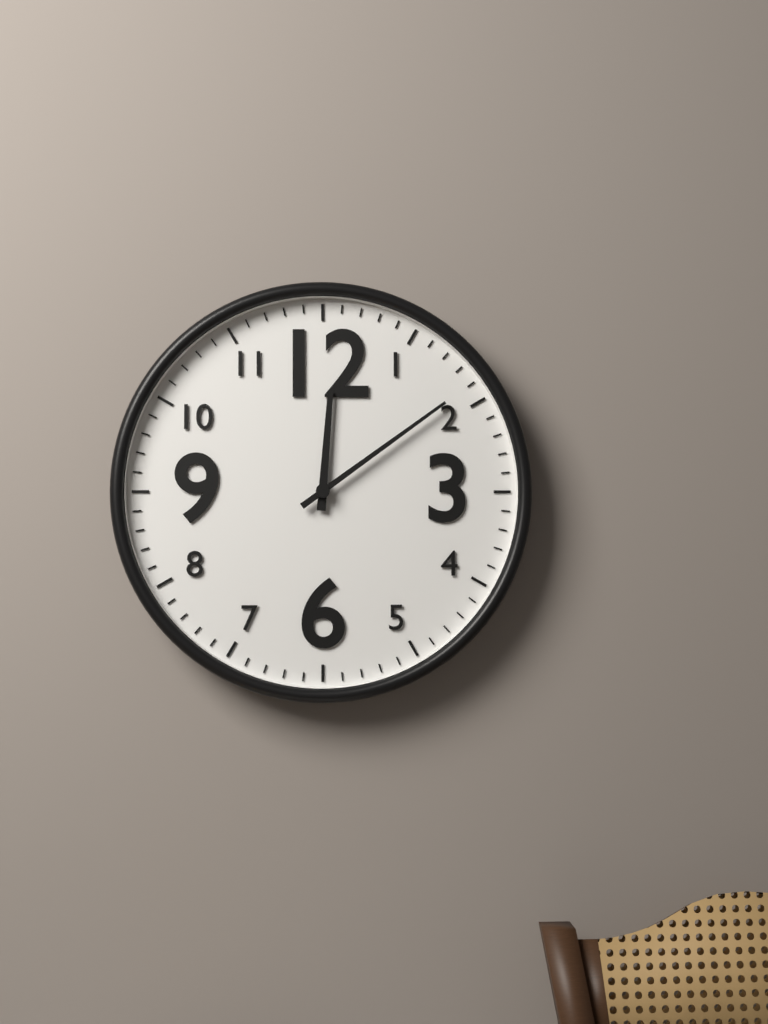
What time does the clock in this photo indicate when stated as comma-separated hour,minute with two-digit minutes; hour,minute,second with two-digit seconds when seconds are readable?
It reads 12,09
